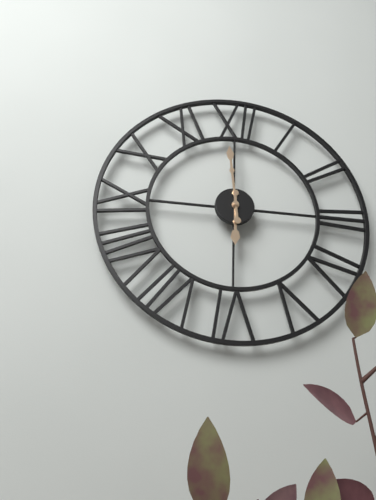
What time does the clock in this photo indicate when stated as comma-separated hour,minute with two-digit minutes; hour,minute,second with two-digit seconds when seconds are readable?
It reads 5,59
